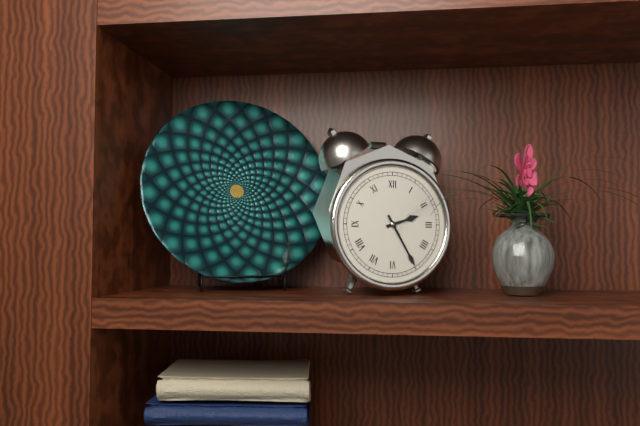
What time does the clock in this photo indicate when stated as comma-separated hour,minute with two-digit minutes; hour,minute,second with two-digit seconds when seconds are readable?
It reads 2,25
